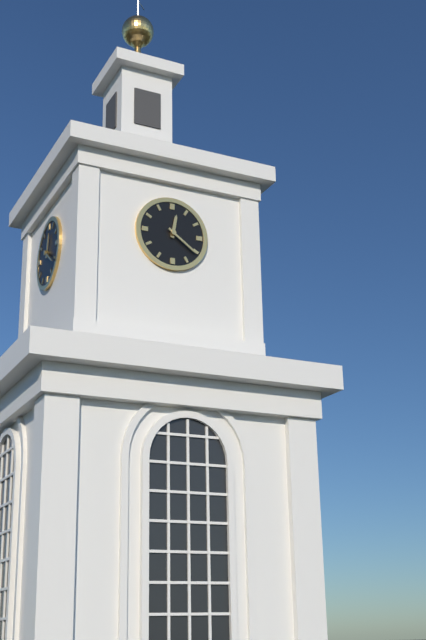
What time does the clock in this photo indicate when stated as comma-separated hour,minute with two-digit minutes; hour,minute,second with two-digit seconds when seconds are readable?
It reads 12,21
